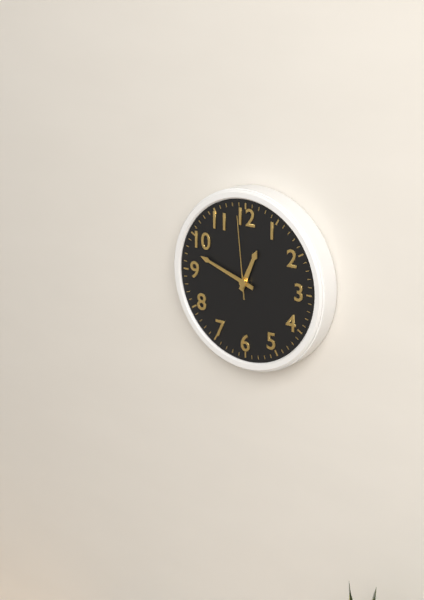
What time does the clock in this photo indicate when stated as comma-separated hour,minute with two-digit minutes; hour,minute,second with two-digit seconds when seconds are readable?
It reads 12,48,59
